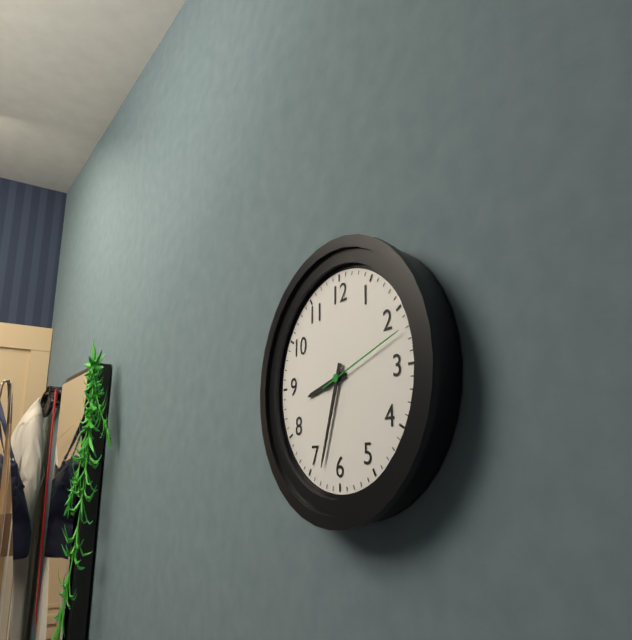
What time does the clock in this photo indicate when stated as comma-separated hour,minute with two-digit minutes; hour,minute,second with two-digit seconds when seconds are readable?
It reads 8,33,12
